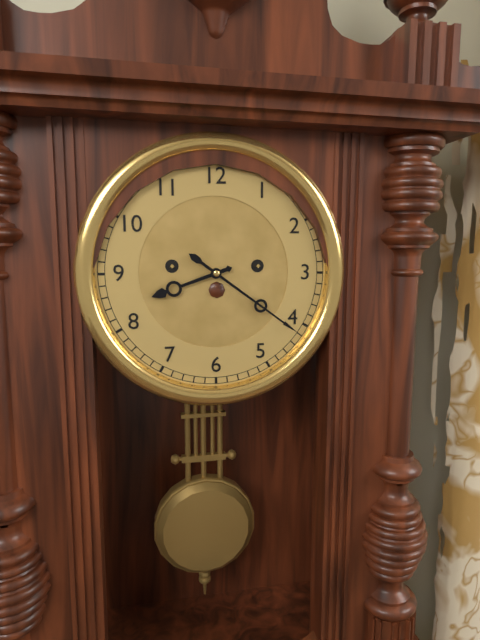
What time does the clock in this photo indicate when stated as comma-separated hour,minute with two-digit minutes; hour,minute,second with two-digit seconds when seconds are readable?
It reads 8,21
